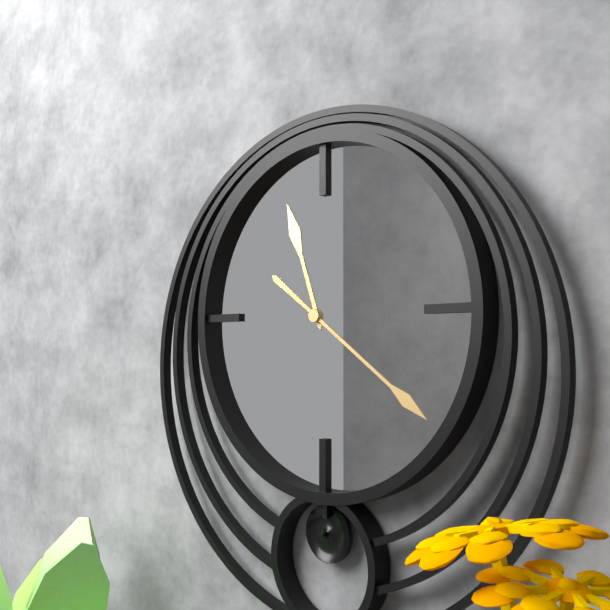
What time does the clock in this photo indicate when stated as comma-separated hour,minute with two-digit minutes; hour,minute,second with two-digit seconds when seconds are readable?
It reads 11,21
